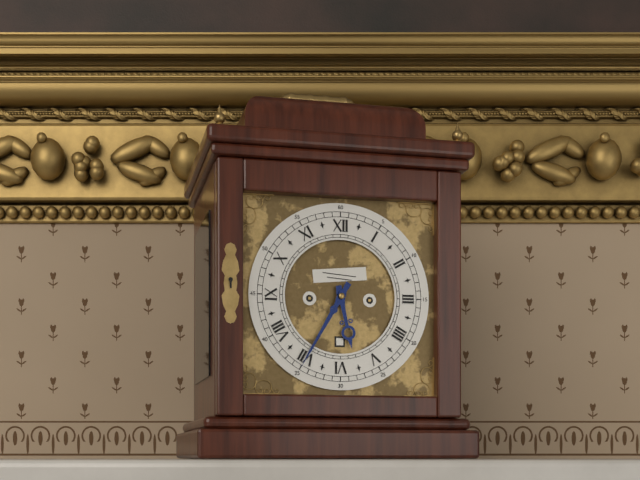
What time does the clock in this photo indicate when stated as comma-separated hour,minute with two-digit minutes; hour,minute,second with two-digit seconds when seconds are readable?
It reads 5,35
